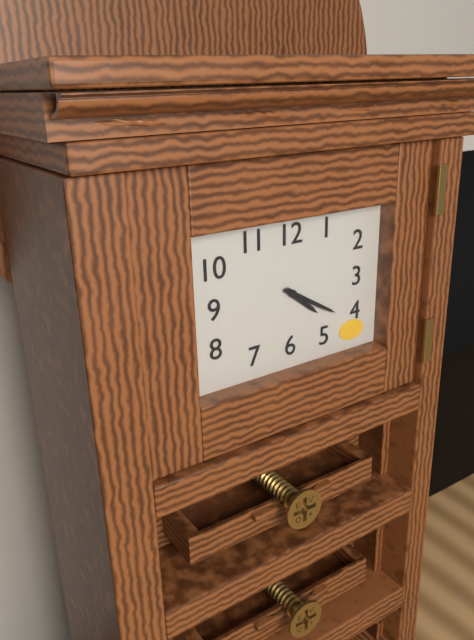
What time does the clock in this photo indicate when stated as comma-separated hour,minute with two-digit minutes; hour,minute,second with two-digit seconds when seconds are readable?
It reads 4,20
